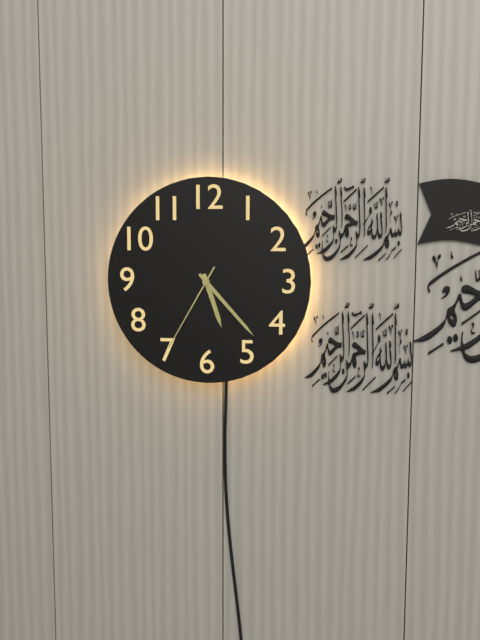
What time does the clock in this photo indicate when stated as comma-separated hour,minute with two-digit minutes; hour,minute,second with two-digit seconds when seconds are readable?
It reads 5,23,35
